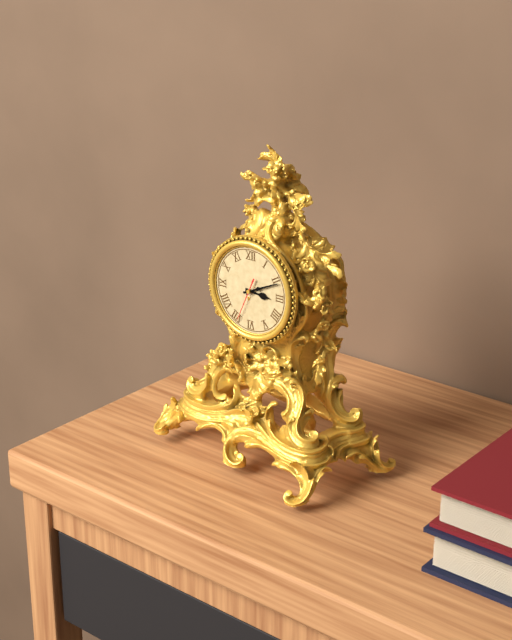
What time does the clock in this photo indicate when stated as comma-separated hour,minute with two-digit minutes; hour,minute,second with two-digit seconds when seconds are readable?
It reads 3,11
